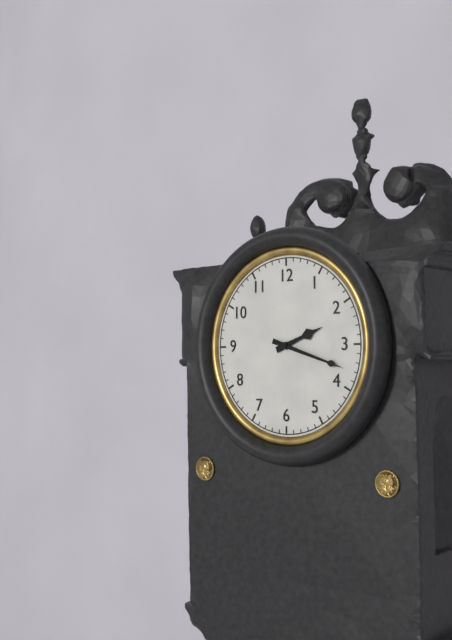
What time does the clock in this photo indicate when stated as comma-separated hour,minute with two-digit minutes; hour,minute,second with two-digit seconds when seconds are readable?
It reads 2,18
